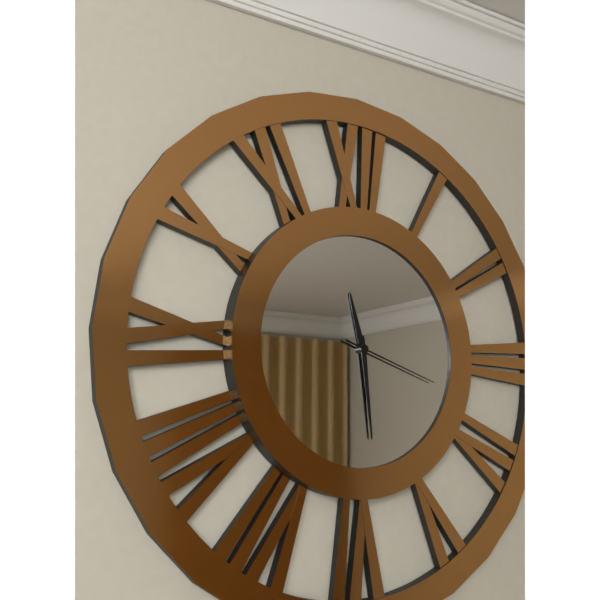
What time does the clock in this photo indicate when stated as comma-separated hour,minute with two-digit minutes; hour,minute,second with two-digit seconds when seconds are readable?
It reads 11,29,18
